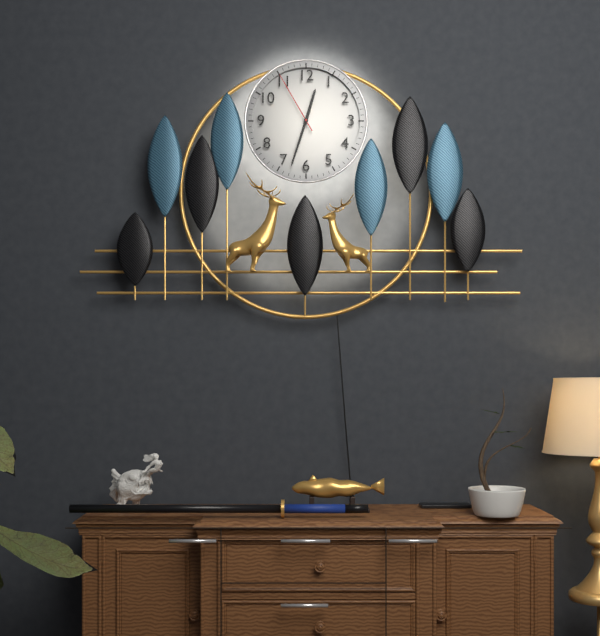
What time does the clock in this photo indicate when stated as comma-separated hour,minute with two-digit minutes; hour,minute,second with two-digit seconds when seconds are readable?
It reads 12,33,55
